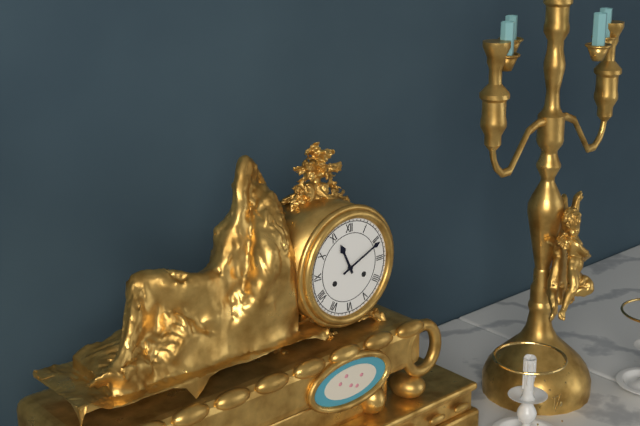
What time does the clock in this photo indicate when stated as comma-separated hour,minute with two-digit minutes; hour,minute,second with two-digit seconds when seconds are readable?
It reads 11,11
